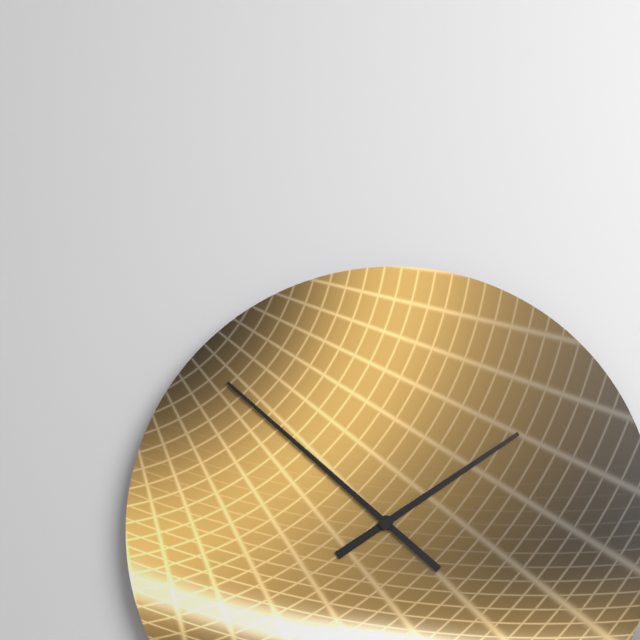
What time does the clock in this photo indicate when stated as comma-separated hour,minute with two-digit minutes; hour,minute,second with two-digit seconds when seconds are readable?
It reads 1,52
